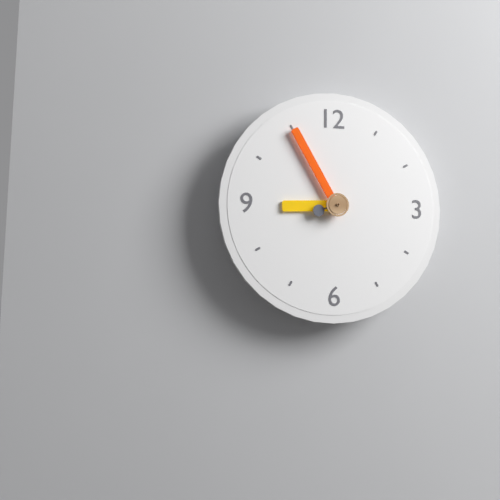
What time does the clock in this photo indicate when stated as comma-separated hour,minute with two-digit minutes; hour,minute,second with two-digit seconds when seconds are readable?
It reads 8,55
